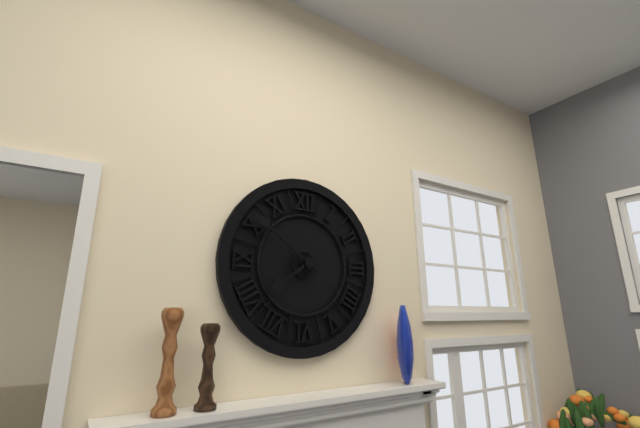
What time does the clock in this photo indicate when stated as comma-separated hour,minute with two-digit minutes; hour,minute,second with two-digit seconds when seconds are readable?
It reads 7,51
